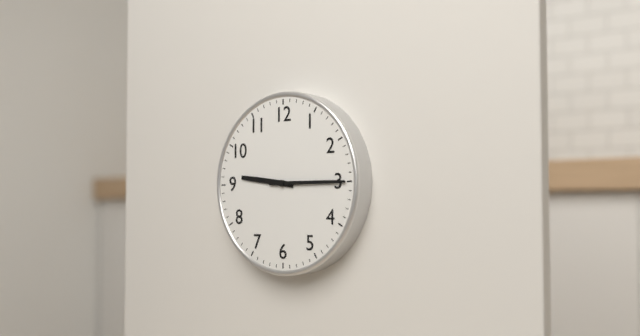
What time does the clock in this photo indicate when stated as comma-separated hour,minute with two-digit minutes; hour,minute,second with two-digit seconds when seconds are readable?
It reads 9,15
